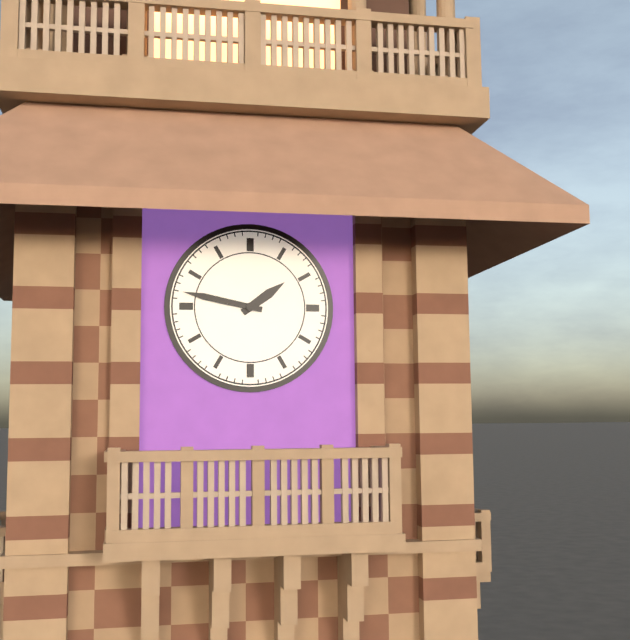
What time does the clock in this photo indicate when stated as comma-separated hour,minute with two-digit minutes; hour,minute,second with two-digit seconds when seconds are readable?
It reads 1,47
